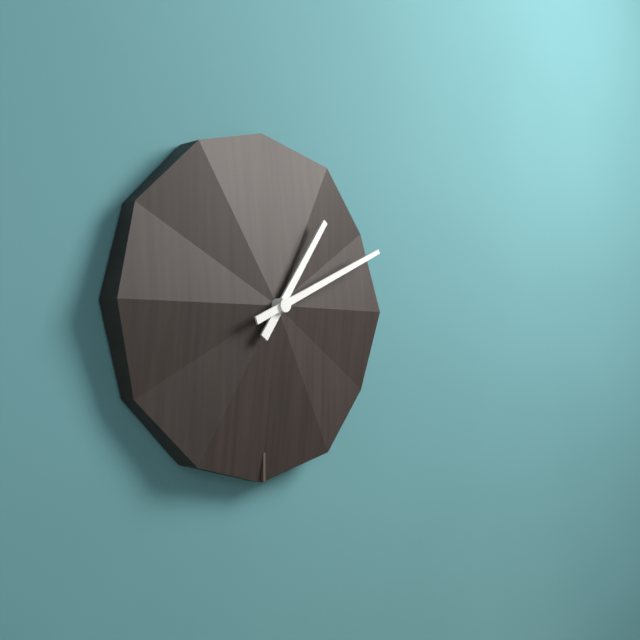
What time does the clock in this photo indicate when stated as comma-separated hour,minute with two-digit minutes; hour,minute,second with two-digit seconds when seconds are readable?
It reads 1,11
